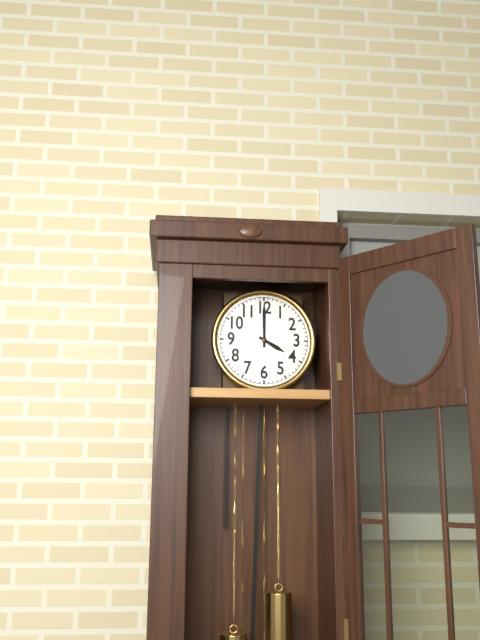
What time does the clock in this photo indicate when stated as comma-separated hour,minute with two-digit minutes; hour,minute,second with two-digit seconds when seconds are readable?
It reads 4,00
